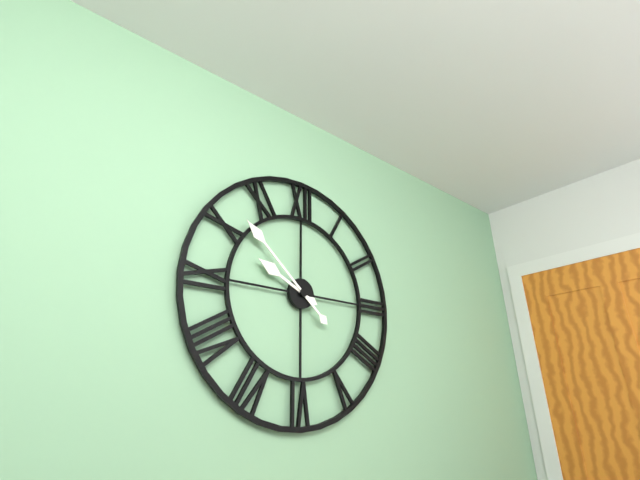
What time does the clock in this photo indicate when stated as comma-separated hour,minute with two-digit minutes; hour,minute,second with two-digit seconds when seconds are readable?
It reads 9,52
